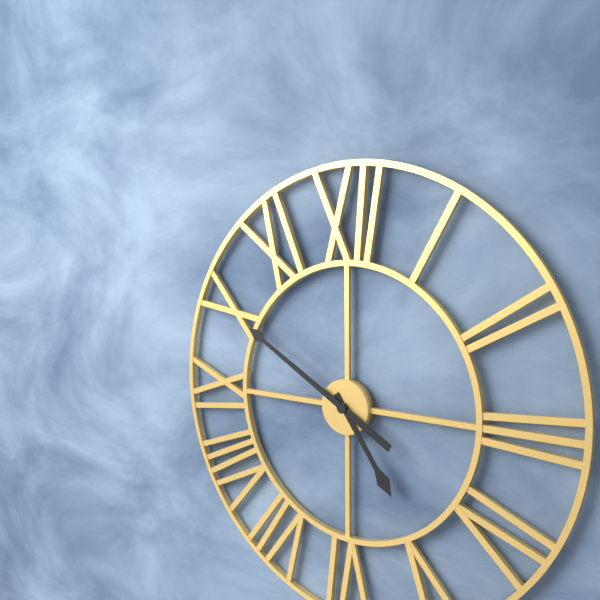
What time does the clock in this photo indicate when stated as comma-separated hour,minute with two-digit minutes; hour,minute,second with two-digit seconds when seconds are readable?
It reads 4,50
